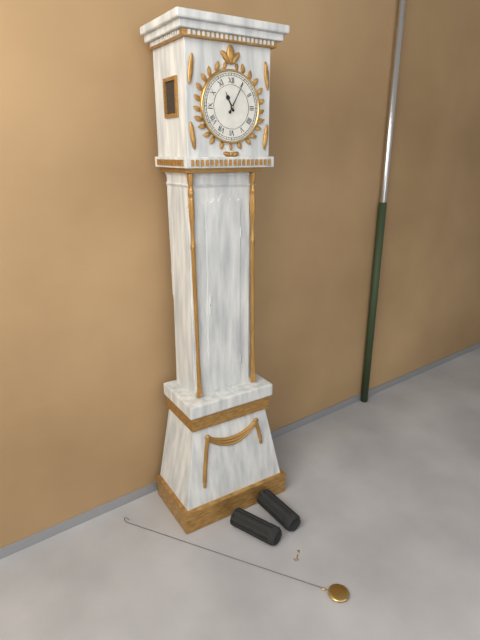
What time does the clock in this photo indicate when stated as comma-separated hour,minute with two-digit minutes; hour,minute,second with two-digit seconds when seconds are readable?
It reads 11,05
